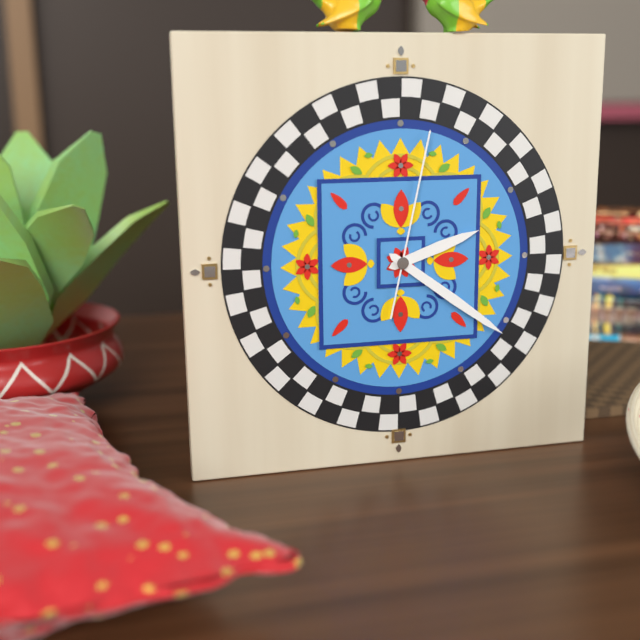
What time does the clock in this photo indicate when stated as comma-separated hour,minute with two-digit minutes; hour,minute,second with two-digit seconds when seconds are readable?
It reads 2,21,02
